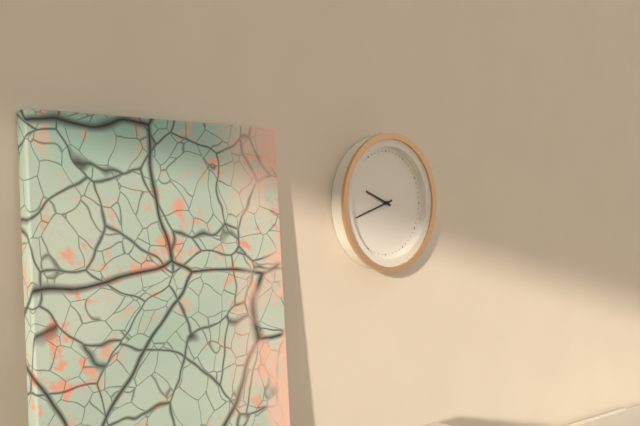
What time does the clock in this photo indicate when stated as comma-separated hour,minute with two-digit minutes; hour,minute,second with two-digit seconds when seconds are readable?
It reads 9,42
